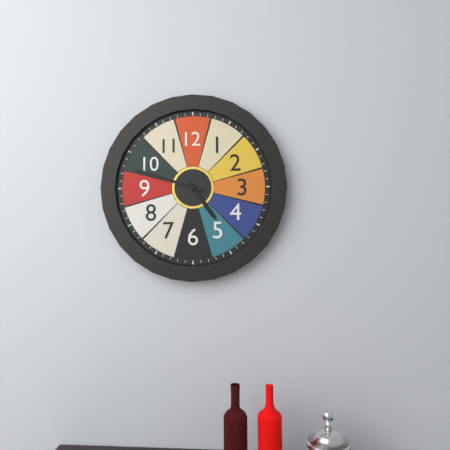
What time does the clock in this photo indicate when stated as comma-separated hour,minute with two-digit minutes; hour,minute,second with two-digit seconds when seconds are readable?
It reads 4,48
